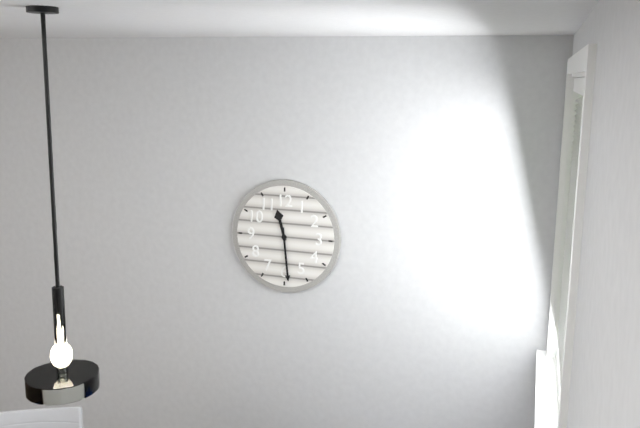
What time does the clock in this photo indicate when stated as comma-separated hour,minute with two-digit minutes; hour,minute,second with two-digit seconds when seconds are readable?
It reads 11,29
